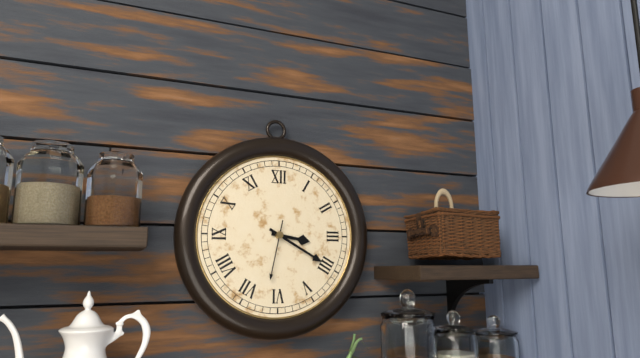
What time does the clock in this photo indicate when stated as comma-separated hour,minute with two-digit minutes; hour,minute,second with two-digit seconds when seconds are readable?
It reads 3,20,32
